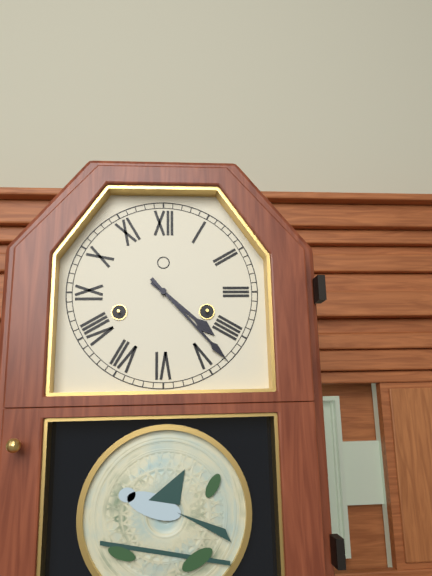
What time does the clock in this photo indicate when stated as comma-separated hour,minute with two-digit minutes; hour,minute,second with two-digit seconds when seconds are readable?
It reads 4,23
